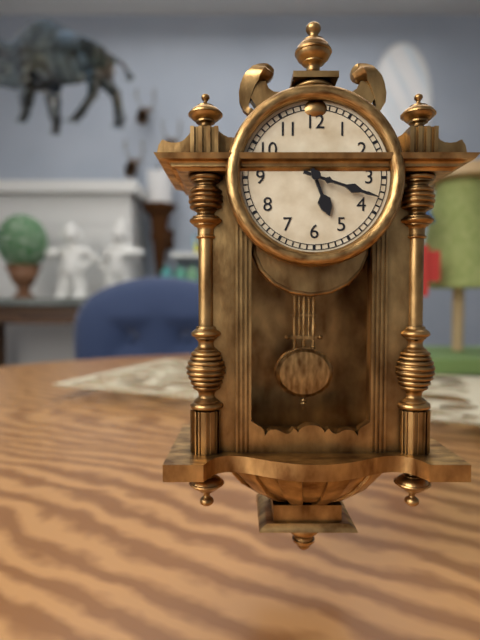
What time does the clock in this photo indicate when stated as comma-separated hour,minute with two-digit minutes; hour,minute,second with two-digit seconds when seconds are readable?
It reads 5,18
